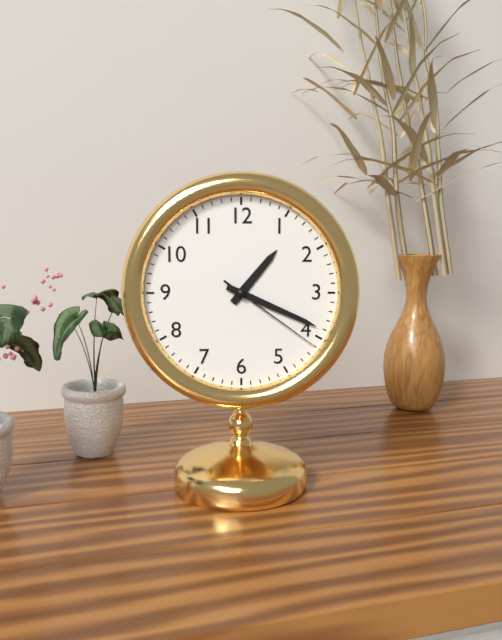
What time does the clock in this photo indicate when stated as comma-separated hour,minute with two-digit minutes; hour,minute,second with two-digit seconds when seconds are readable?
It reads 1,19,21
